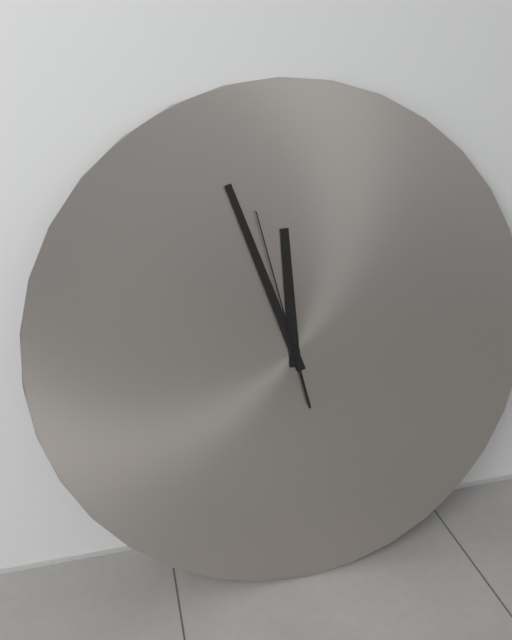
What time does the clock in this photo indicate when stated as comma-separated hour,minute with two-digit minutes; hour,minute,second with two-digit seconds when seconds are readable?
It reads 11,57,58
